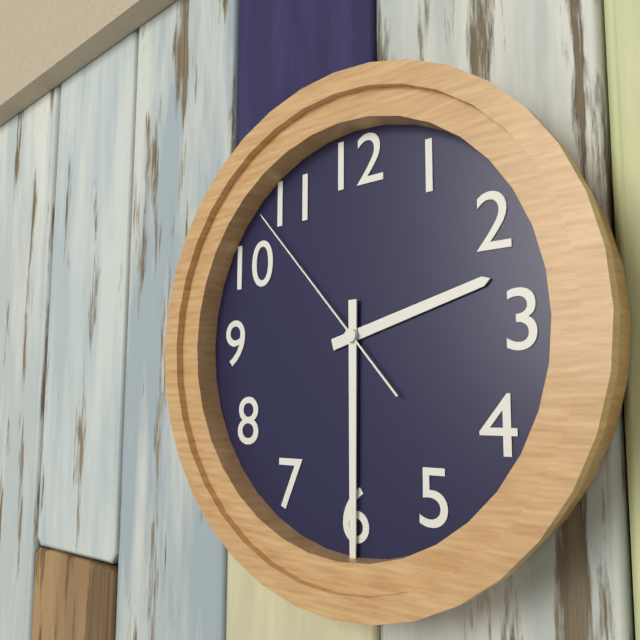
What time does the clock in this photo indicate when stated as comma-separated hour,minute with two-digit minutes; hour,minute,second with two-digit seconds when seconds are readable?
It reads 2,30,53
